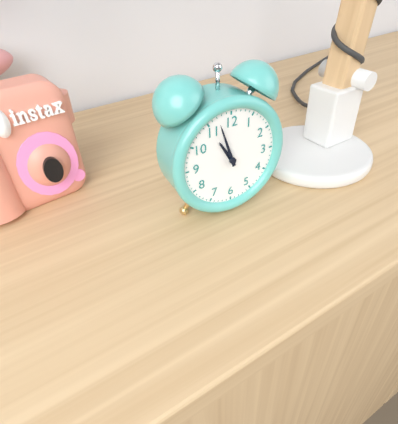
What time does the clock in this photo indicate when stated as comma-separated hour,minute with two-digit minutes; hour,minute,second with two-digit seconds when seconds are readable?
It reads 10,57
